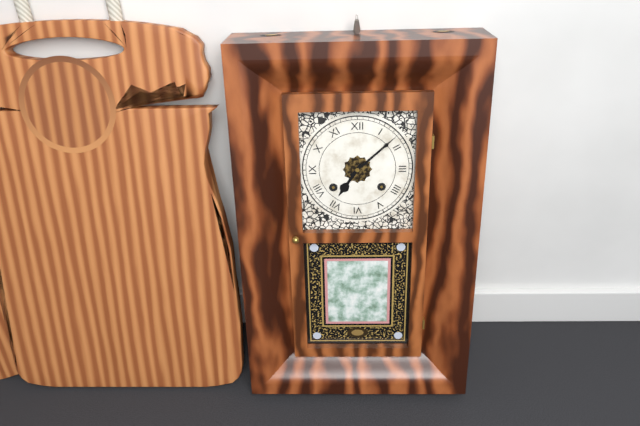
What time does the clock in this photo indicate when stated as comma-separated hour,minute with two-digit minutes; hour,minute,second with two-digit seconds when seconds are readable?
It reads 7,08
